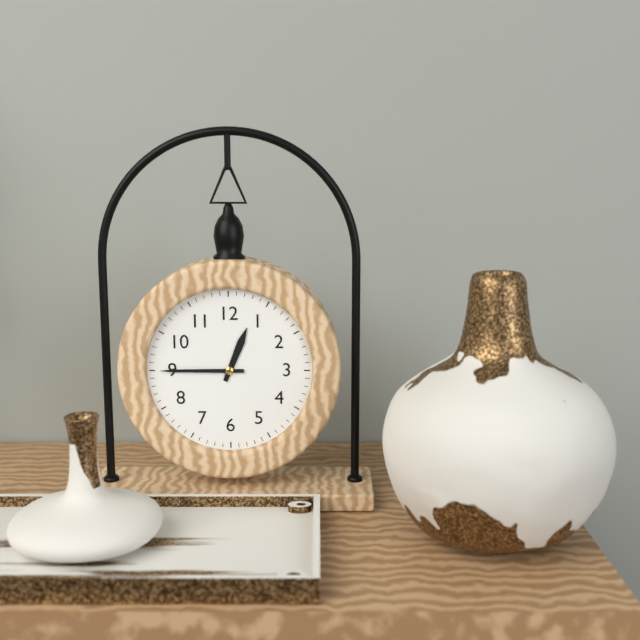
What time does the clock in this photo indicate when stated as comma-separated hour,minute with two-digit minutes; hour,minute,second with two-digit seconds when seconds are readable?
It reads 12,45
